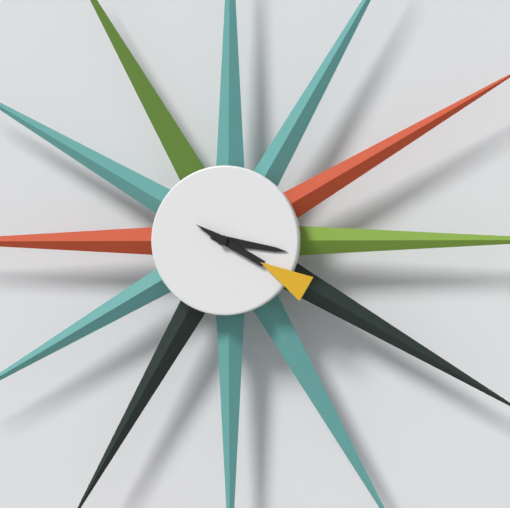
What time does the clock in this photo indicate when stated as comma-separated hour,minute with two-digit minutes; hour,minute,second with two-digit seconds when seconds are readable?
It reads 3,20
